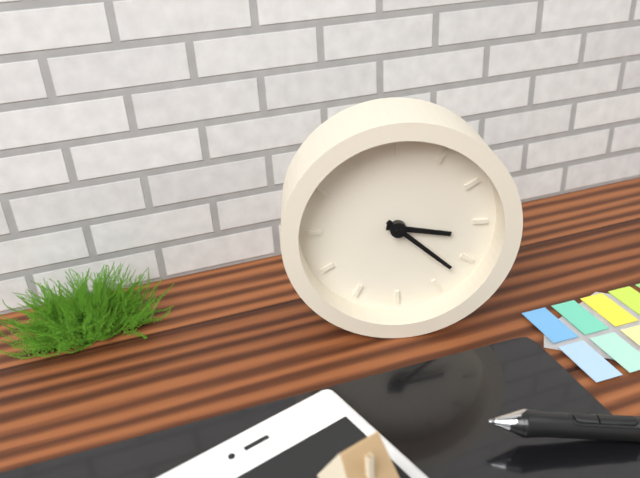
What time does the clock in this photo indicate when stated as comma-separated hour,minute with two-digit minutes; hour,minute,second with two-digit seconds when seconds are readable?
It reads 3,22
